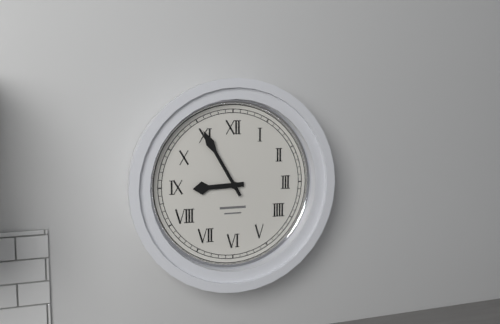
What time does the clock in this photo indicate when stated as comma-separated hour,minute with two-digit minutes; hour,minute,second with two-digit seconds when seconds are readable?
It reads 8,55
